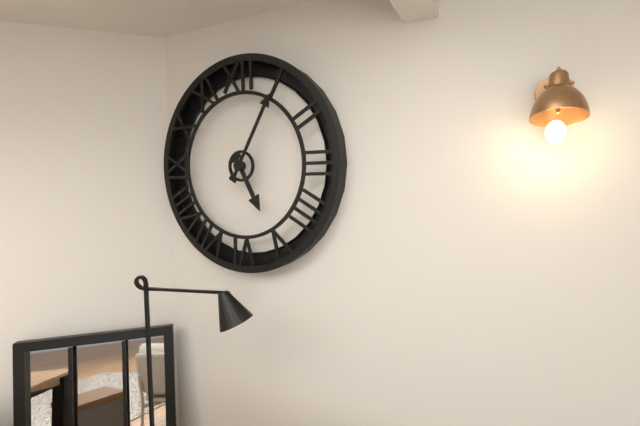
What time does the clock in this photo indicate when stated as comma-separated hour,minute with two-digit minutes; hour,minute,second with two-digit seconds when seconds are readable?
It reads 5,05
